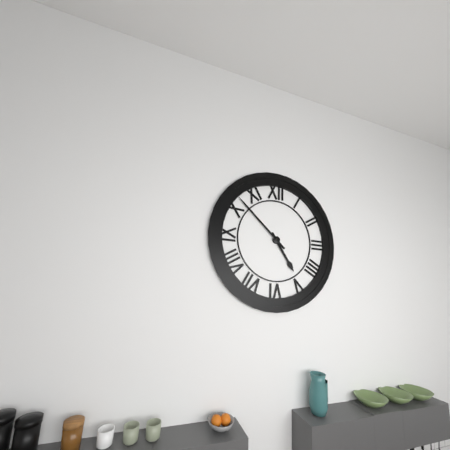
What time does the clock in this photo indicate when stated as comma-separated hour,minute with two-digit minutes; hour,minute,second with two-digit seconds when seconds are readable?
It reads 4,52
